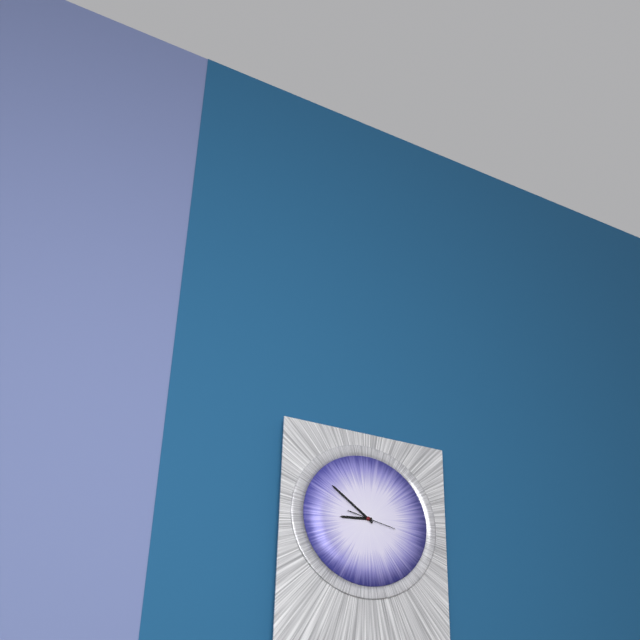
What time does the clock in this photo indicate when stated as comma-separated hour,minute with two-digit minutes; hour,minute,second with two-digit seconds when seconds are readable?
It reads 8,51
